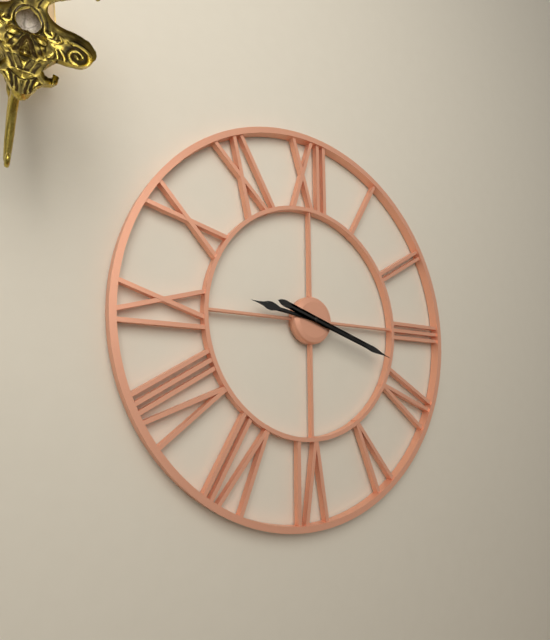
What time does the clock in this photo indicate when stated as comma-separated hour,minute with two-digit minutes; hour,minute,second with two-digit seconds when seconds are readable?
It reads 9,18
